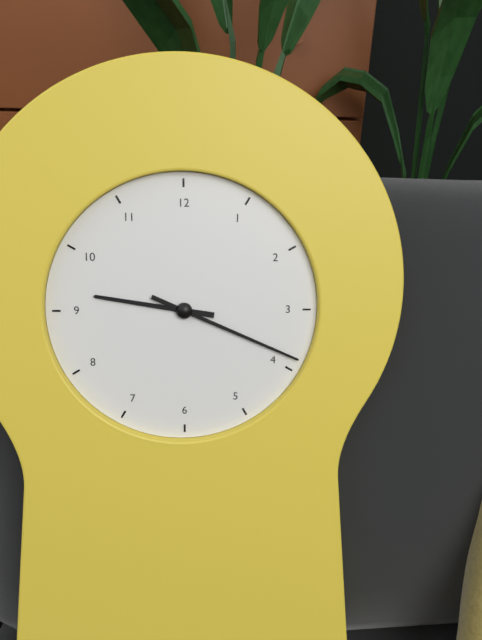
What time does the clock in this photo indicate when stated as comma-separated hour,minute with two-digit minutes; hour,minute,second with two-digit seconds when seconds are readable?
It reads 9,19
